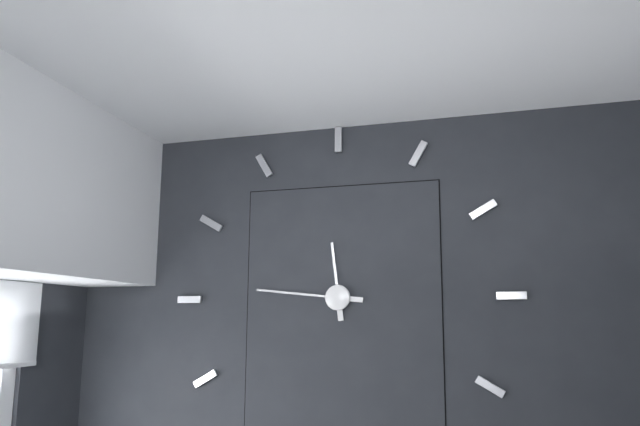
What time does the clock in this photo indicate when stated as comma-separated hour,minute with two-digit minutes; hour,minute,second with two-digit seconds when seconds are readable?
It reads 11,46
